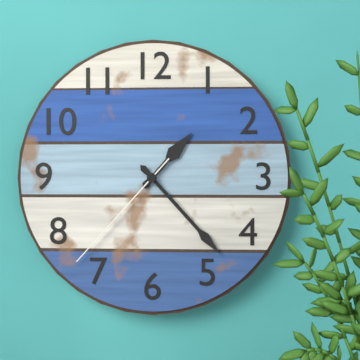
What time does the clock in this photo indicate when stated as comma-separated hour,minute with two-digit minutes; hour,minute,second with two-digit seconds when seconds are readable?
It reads 1,23,37
